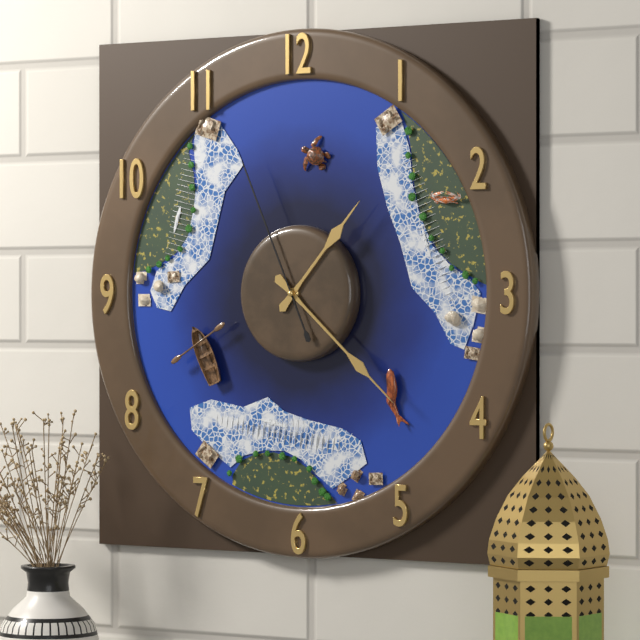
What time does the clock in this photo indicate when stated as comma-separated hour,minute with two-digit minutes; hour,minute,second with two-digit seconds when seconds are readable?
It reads 1,22,56
